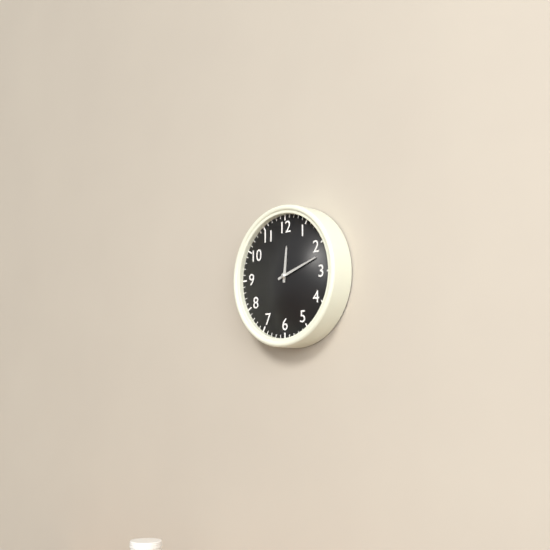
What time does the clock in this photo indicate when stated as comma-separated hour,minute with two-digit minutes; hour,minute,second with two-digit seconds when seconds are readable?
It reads 12,12
